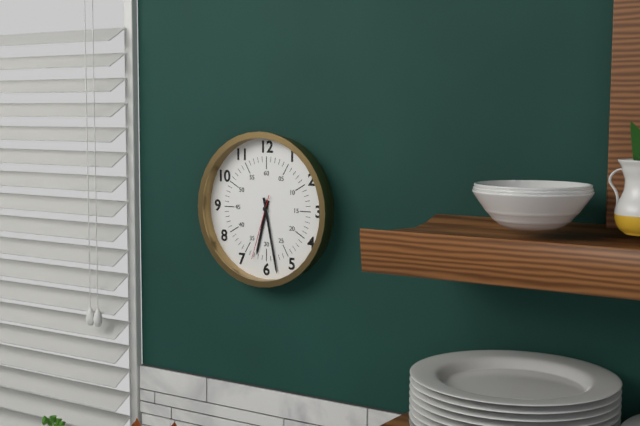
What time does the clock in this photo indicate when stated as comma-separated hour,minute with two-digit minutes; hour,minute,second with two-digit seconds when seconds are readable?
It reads 6,28,33
